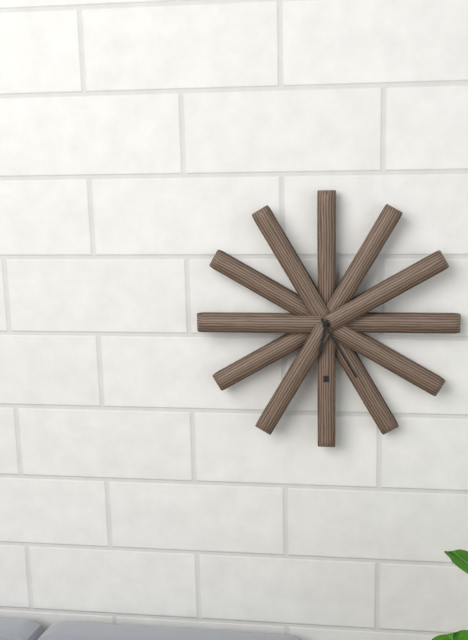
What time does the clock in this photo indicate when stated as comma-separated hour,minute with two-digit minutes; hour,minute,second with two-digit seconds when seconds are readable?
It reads 6,25
